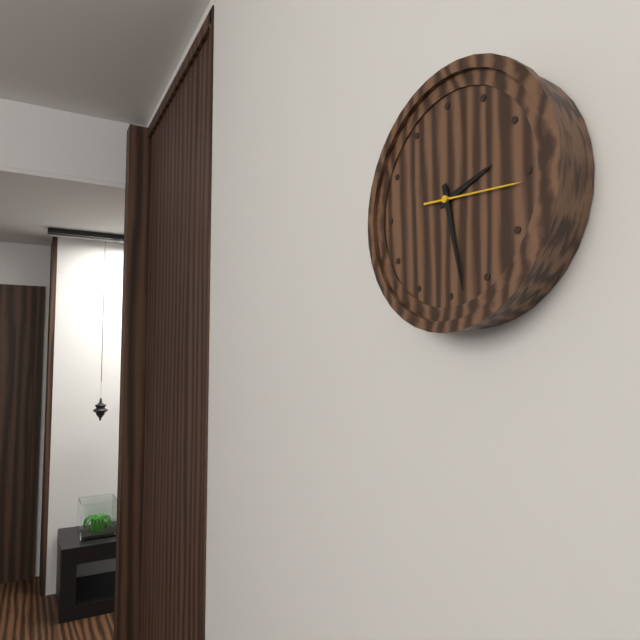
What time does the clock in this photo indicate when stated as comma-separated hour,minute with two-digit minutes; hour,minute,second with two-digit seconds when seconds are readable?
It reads 2,28,16
